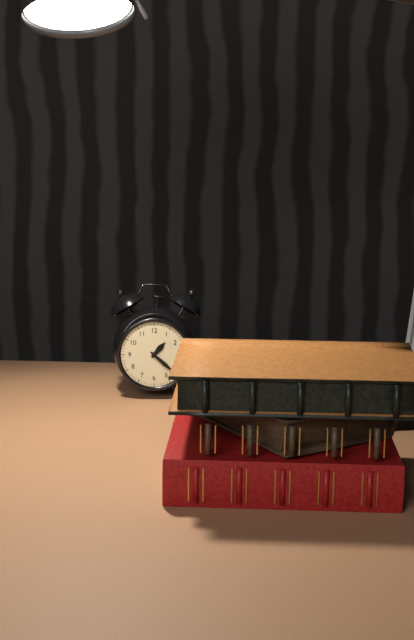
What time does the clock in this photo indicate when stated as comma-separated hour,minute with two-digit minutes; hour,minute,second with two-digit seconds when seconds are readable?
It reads 1,22
